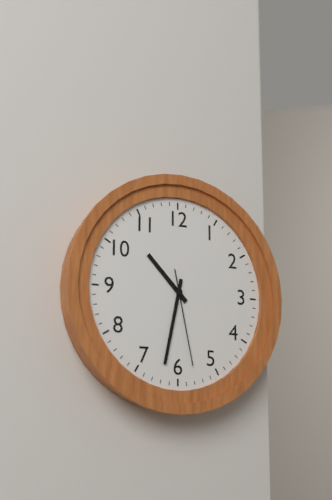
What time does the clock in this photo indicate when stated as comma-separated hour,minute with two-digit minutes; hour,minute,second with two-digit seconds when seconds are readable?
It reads 10,32,28
